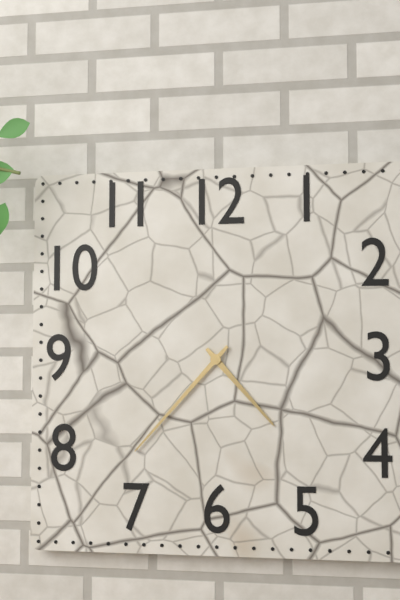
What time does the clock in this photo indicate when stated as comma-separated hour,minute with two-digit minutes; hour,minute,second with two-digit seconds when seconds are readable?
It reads 4,37
